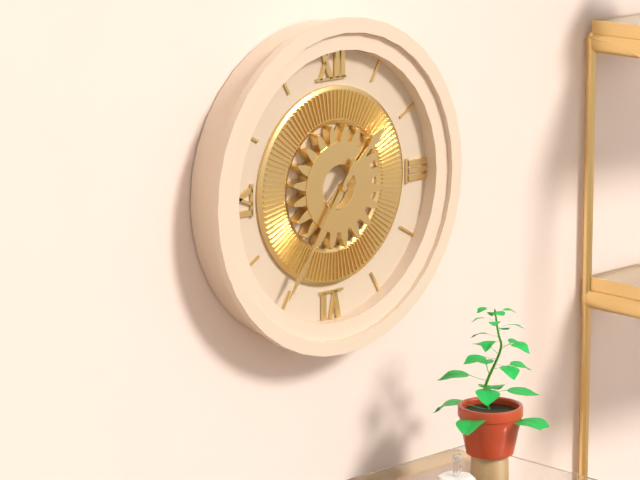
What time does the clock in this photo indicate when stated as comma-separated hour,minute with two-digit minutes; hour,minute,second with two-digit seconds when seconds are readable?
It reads 1,36
